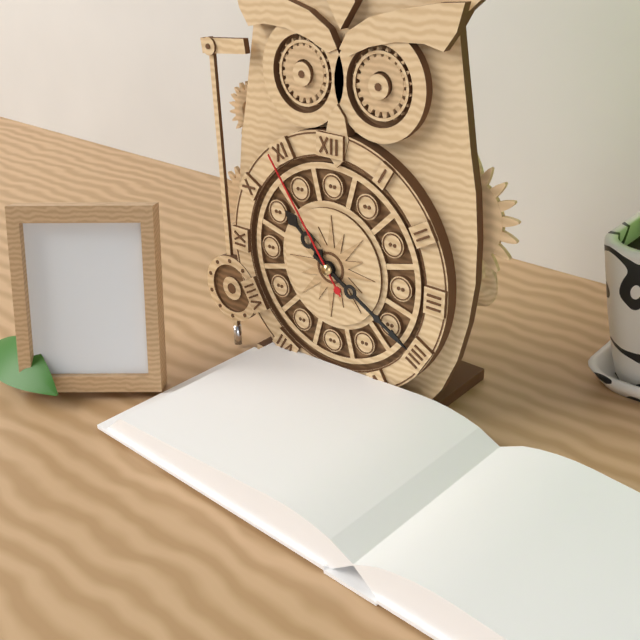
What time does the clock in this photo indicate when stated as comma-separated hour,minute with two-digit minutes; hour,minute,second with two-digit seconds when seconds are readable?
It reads 10,20,54
